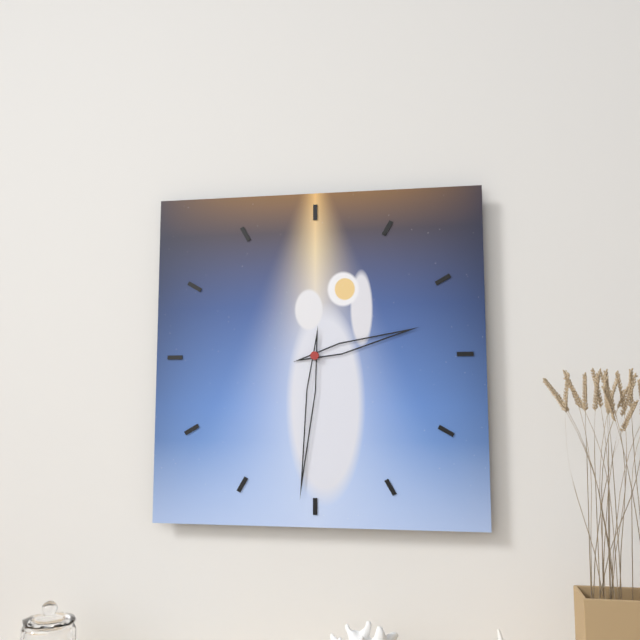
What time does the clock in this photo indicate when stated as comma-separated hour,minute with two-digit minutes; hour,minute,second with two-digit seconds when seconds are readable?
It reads 2,31
